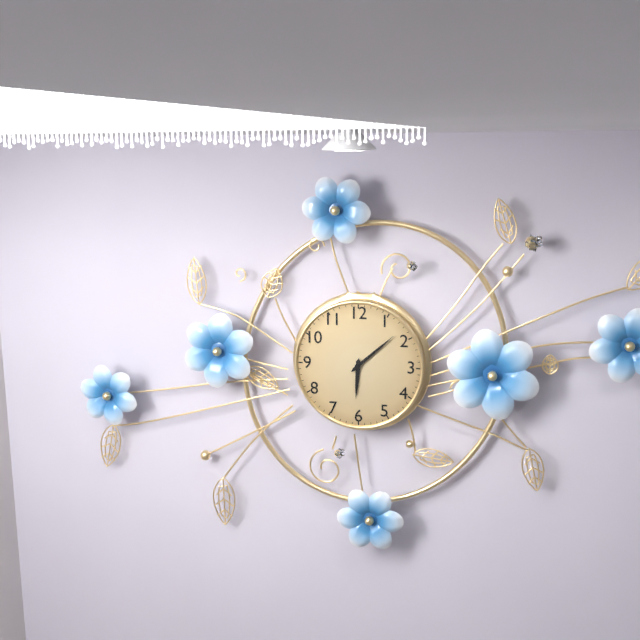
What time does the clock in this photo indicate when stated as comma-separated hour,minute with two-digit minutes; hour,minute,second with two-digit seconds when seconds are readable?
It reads 6,08
